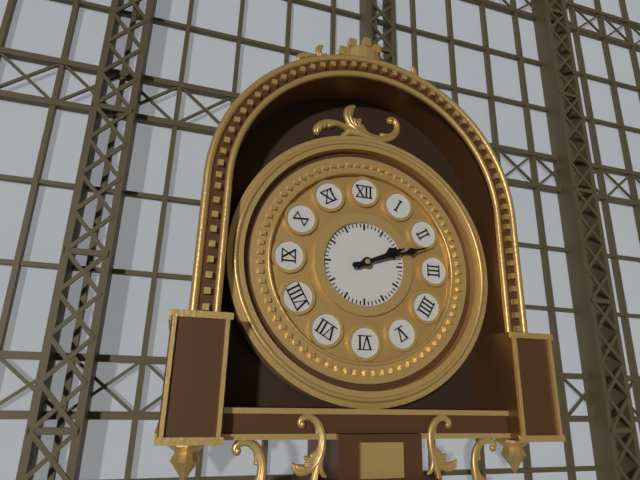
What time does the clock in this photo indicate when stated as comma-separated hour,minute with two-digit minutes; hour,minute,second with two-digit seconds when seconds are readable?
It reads 2,12
